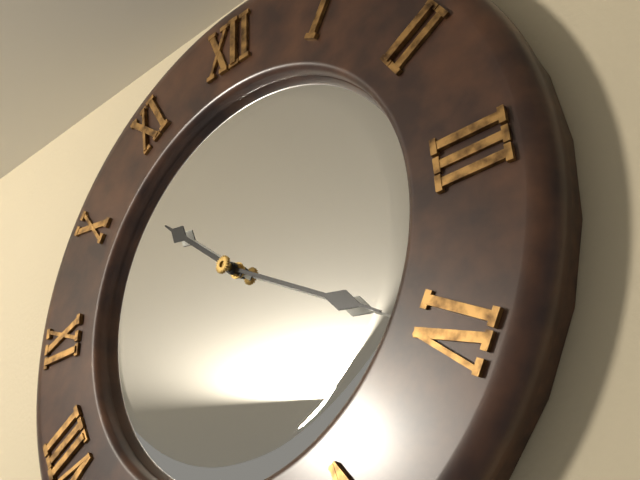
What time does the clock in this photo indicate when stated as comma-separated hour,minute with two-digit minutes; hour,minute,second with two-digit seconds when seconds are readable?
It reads 10,20
